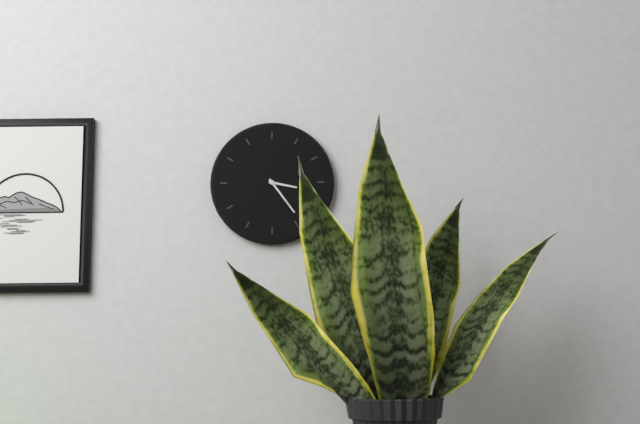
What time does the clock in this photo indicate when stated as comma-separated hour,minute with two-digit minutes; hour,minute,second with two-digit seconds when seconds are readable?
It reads 3,24
